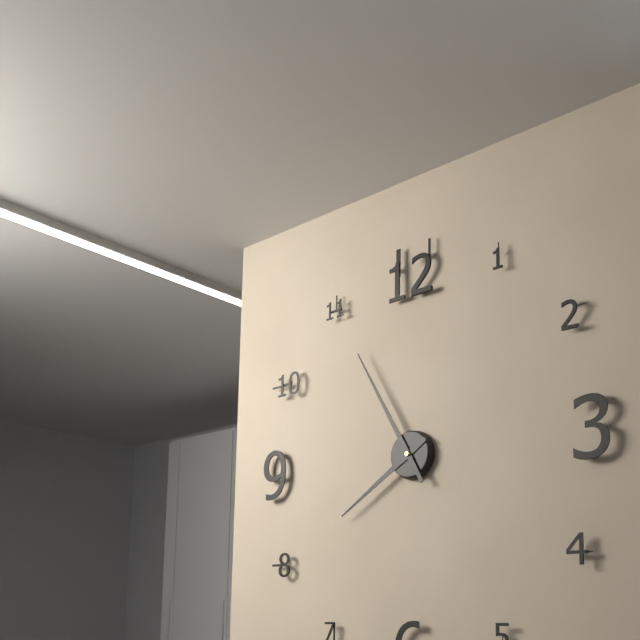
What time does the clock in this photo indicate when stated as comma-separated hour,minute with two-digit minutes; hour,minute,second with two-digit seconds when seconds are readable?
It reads 7,55
